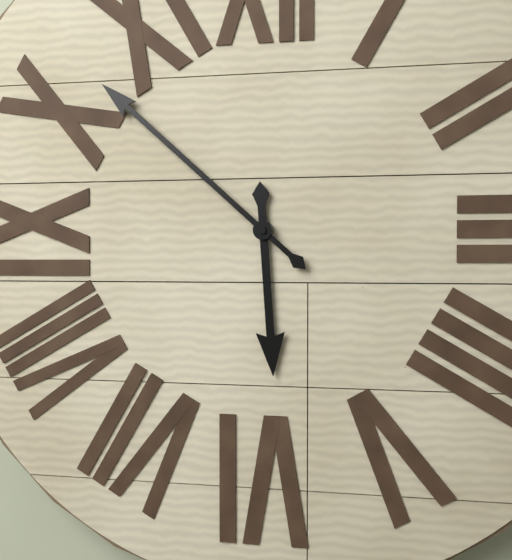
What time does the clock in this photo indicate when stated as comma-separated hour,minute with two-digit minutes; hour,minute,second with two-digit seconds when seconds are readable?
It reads 5,52
